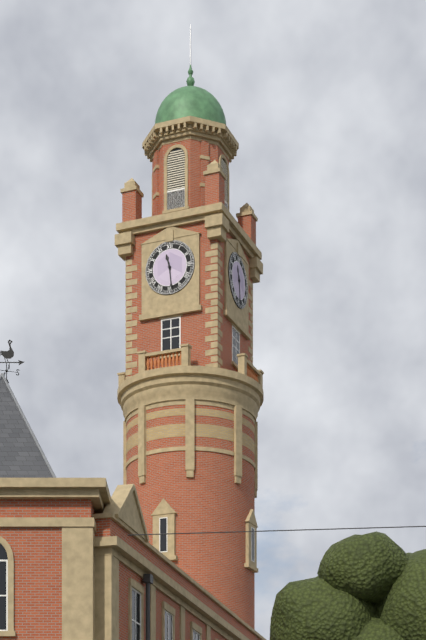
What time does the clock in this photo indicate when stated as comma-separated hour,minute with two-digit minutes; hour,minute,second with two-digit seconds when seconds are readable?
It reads 11,29
